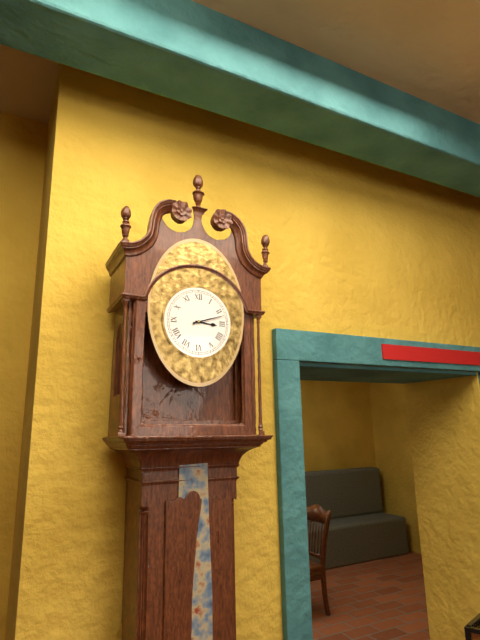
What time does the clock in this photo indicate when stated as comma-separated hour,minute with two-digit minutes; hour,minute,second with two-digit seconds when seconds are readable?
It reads 3,12
